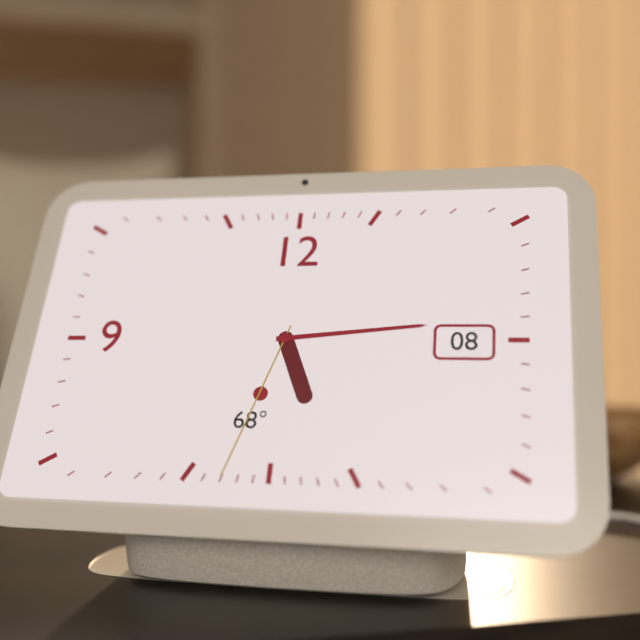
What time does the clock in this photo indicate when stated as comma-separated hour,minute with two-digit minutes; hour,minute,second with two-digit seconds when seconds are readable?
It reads 5,14,33
